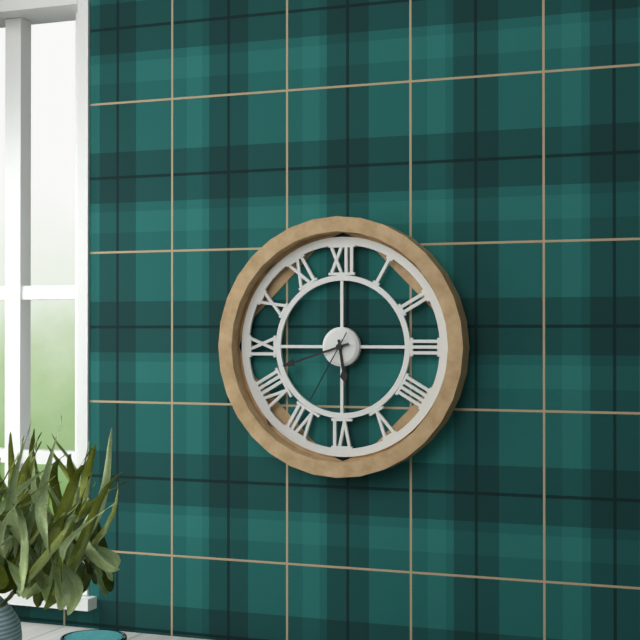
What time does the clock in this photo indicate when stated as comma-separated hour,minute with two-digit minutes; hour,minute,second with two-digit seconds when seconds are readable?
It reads 5,42,35
